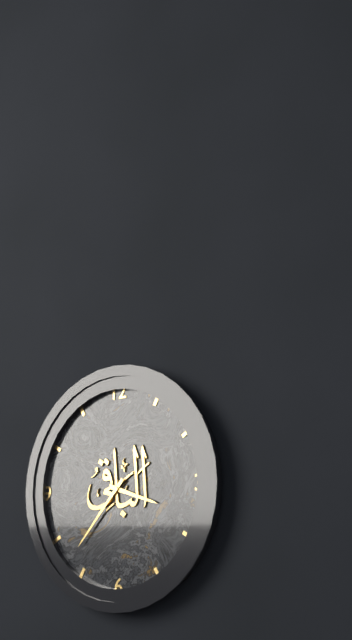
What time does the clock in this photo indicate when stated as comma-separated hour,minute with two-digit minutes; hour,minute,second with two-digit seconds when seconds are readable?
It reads 3,37
